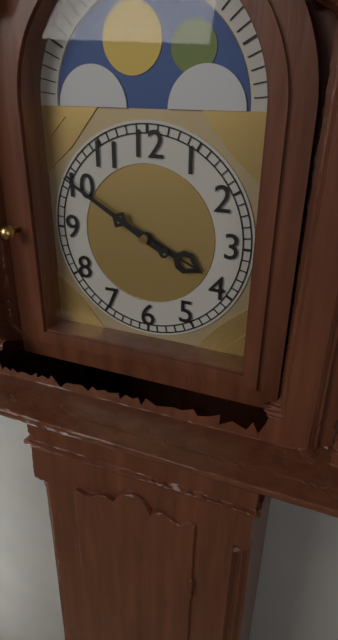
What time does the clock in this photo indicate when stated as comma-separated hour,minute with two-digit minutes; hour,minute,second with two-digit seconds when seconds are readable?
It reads 3,50
